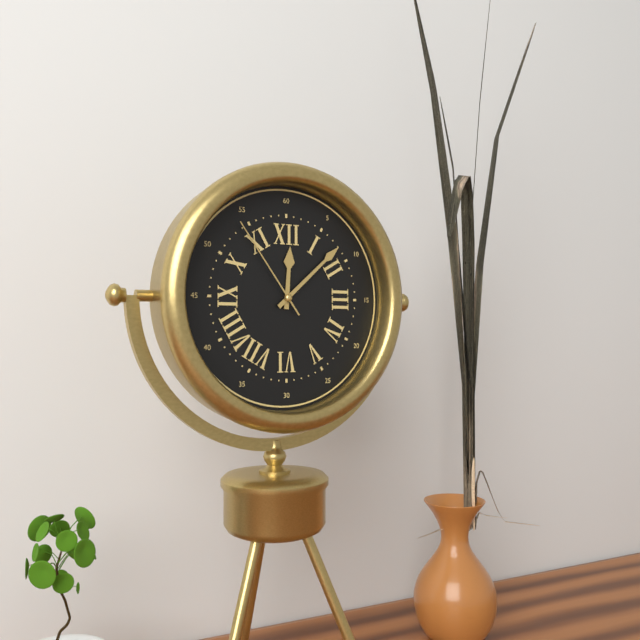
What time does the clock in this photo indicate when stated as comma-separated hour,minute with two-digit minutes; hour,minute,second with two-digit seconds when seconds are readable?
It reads 12,08,54
